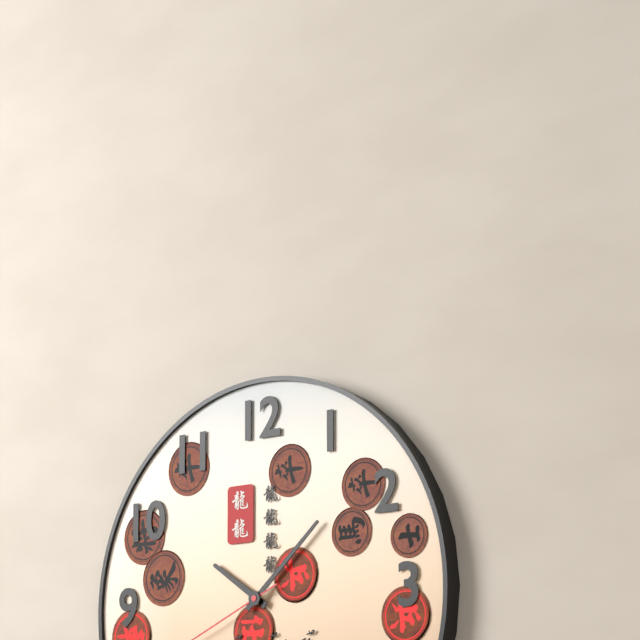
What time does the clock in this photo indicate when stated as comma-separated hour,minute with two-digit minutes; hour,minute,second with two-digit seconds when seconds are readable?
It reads 10,08
